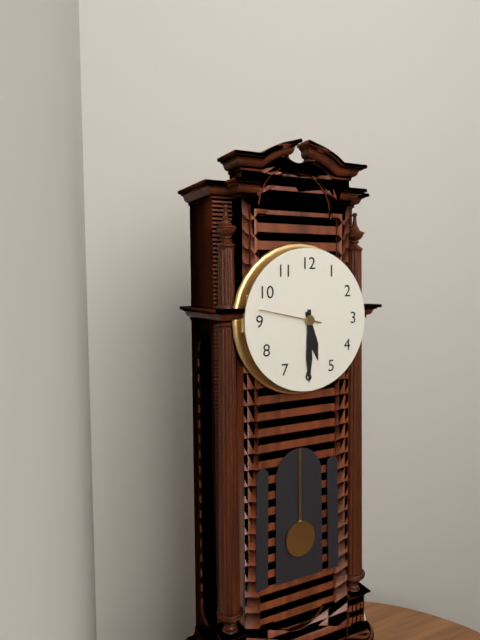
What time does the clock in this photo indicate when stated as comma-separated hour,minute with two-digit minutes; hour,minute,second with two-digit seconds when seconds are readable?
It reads 5,30,47
